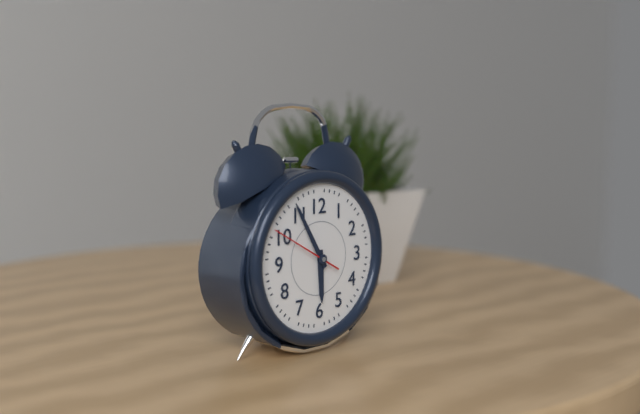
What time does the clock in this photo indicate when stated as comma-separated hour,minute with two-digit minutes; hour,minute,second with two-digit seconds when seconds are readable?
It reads 5,55,50
